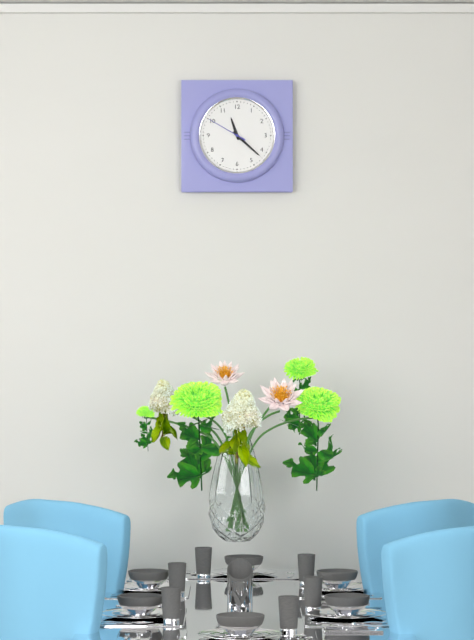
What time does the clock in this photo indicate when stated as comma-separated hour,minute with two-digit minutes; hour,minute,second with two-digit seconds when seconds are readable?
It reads 11,22
